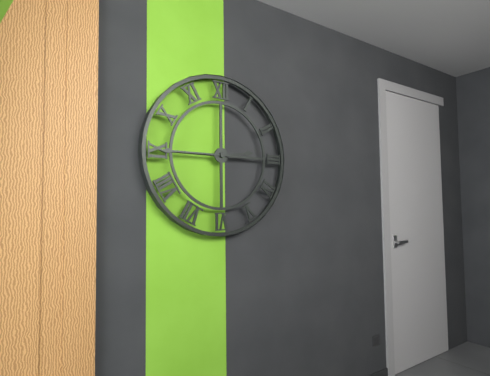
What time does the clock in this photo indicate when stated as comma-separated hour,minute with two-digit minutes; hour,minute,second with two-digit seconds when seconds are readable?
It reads 2,45
